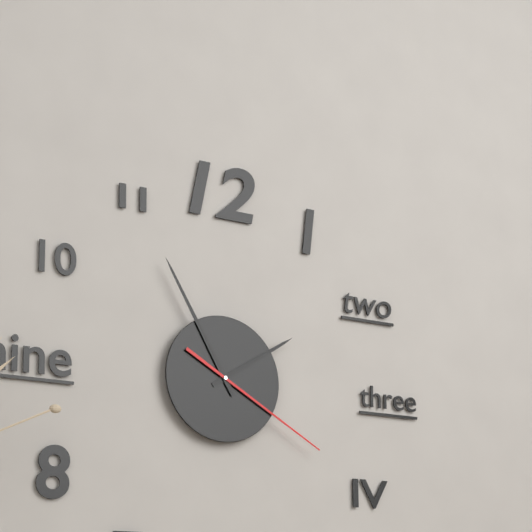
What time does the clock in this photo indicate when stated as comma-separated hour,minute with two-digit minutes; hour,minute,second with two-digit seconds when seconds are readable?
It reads 1,55,20
